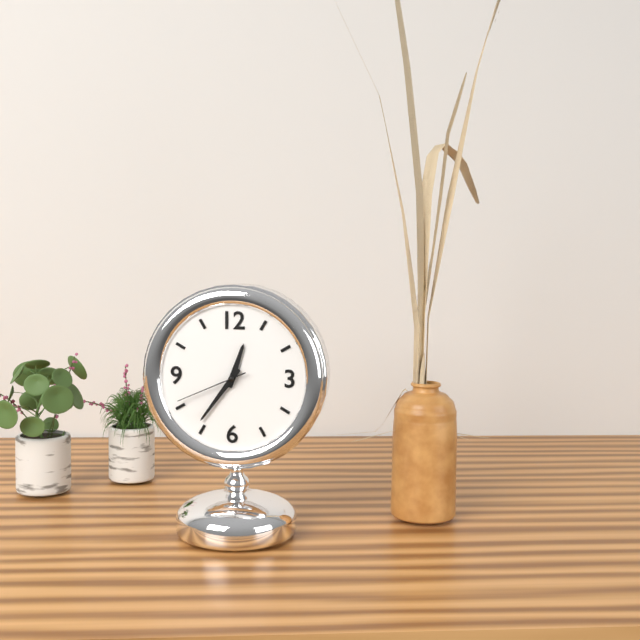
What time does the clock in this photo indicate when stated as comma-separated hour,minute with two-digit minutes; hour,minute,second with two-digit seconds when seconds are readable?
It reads 12,36,41
